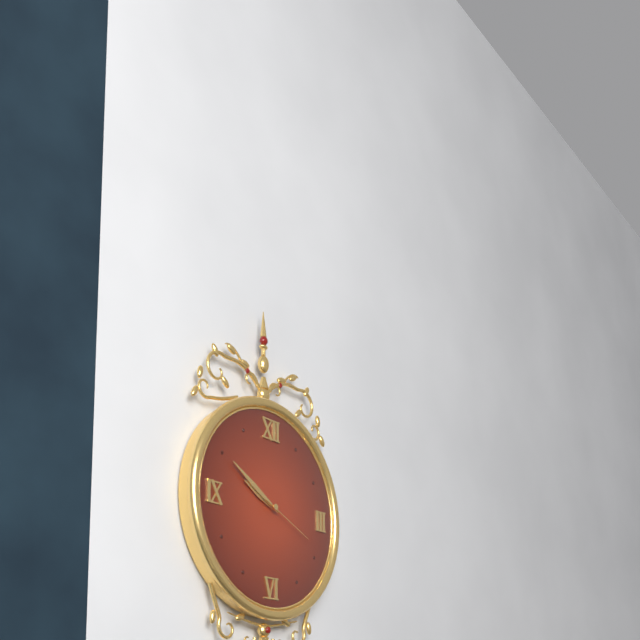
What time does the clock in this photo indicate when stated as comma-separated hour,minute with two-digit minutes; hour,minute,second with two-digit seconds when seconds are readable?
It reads 9,50,19
